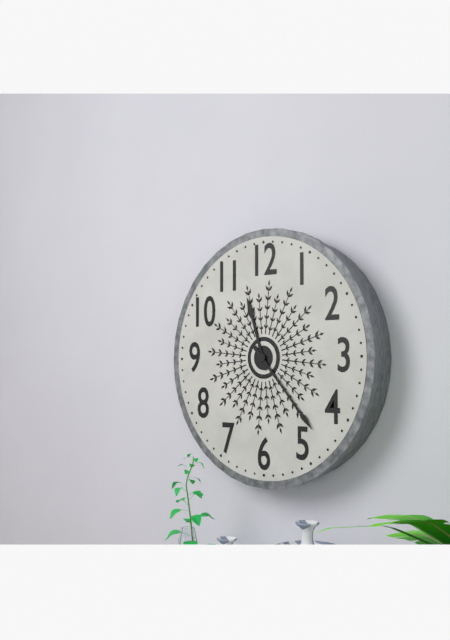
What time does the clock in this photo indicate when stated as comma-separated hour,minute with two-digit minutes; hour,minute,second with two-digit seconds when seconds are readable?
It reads 11,23
